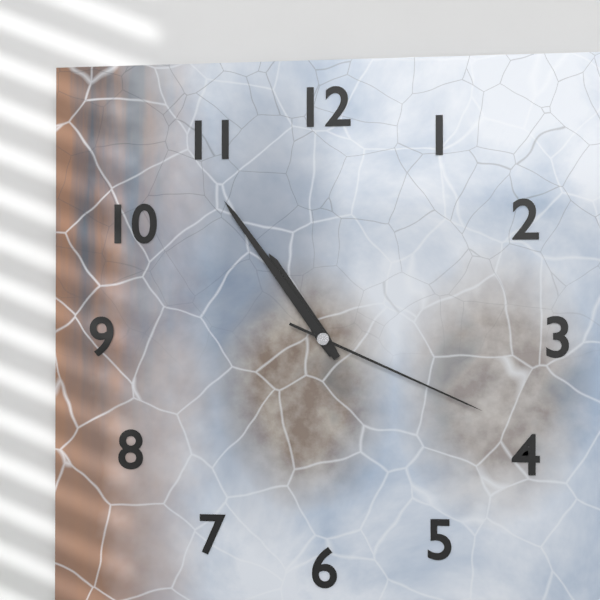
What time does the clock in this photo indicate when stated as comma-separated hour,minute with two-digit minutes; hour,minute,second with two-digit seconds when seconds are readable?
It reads 10,54,19
